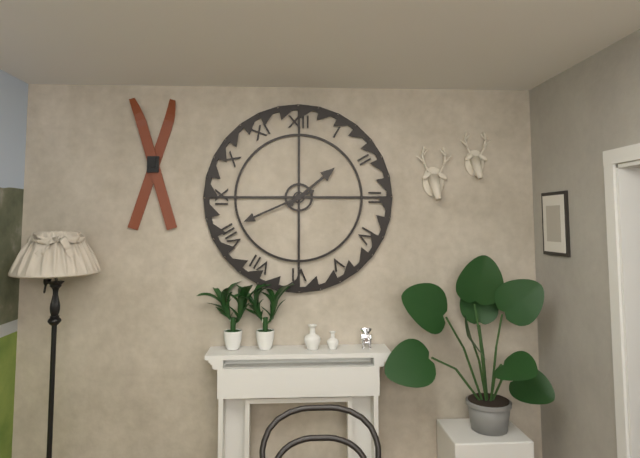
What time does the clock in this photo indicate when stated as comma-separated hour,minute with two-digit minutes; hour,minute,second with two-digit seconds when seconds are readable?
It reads 1,41
